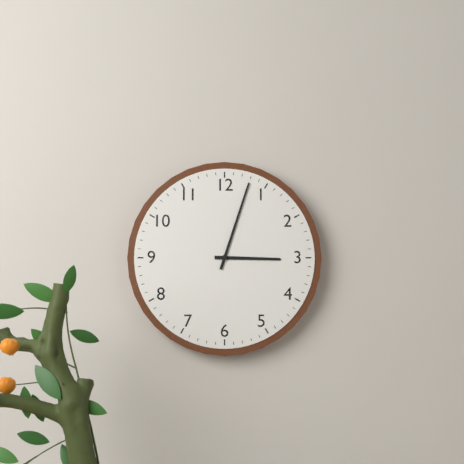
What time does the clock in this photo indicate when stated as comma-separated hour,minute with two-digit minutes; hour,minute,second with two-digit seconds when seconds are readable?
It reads 3,03
